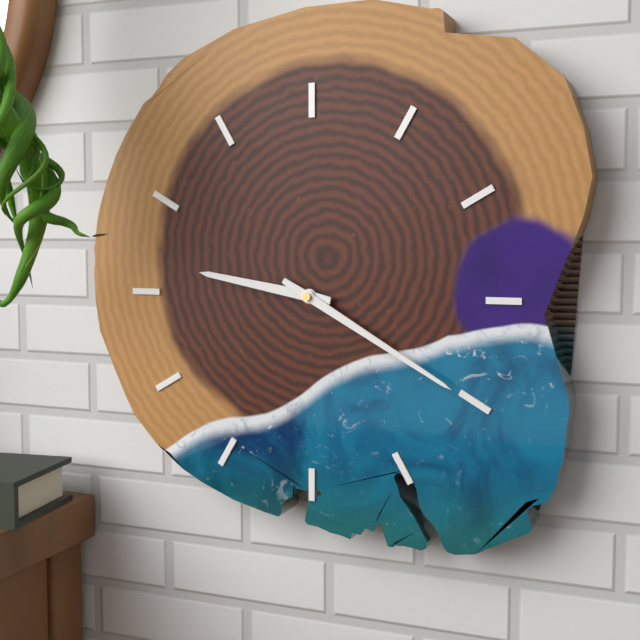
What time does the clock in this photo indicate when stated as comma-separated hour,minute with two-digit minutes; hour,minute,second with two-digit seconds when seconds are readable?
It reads 9,20
